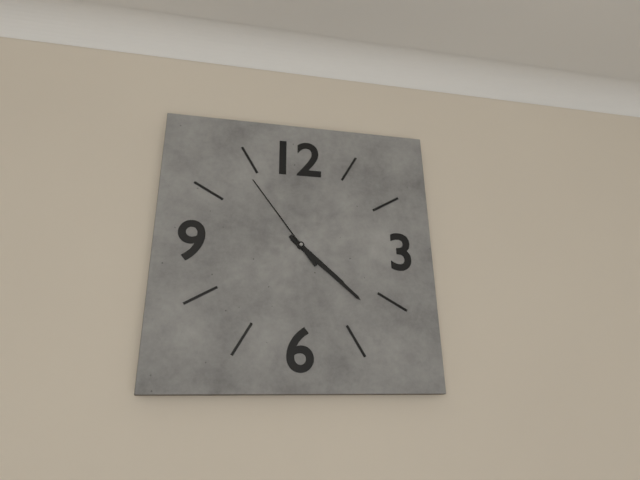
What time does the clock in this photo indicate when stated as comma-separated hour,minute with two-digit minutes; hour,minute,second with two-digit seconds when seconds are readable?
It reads 4,22,54
